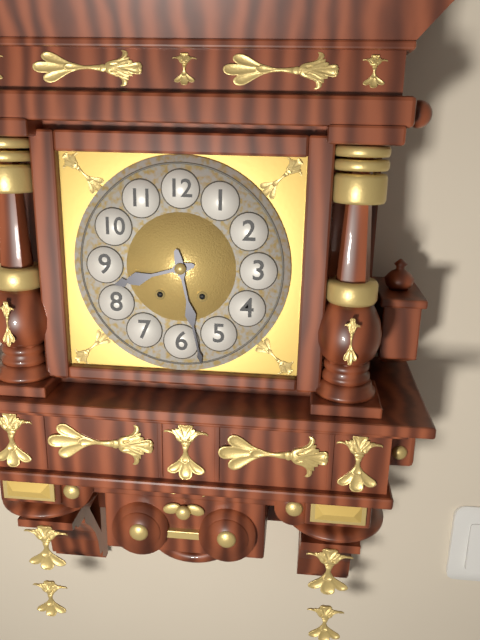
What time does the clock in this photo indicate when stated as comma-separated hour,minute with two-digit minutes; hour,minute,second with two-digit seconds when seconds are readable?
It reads 8,28
